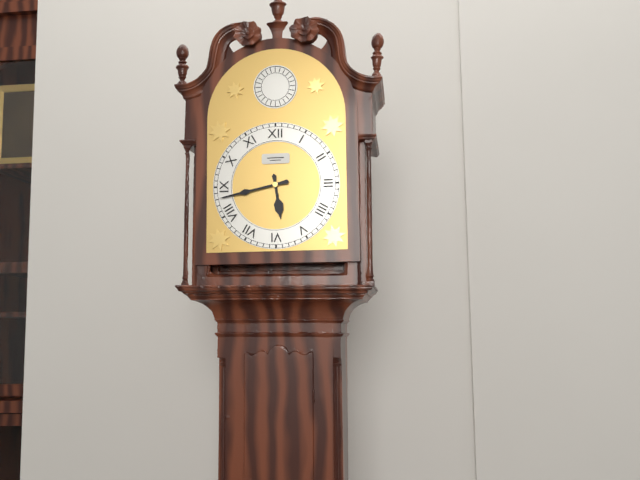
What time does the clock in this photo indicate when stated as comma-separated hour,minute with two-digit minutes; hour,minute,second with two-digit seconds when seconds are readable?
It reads 5,43
